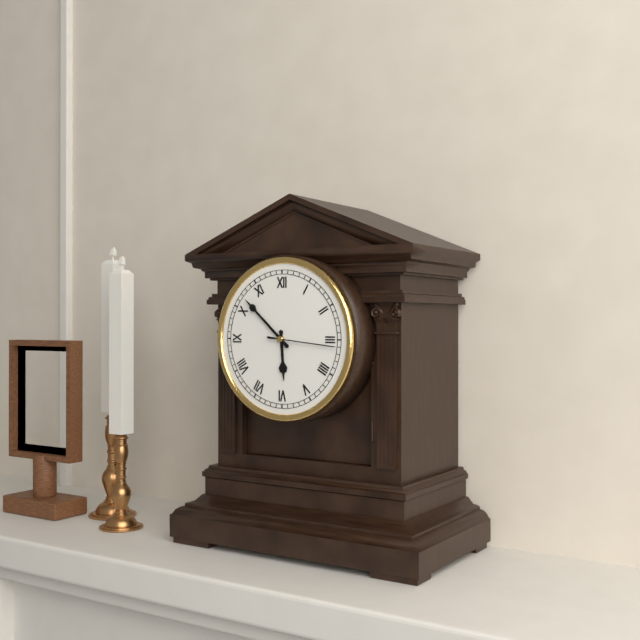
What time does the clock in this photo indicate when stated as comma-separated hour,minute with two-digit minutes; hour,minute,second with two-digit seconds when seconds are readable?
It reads 5,52,16
